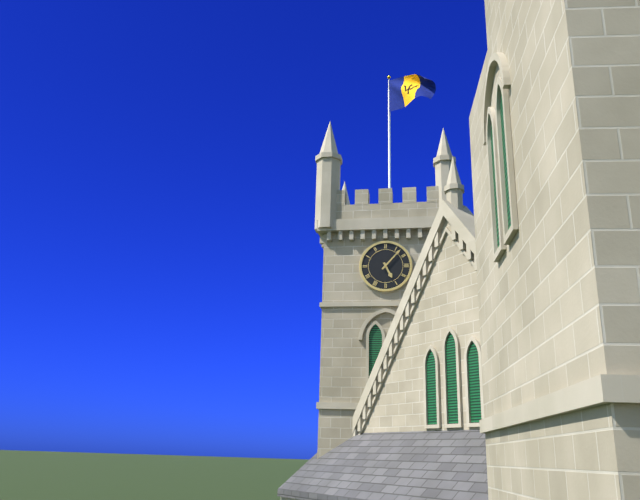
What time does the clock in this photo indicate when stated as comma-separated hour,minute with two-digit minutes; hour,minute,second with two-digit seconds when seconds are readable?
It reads 5,07
